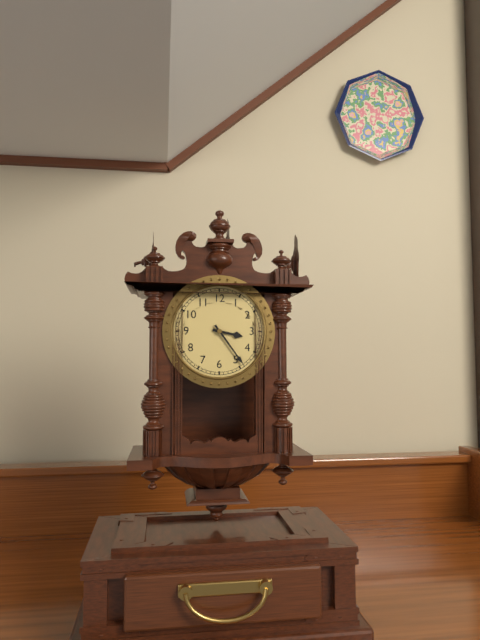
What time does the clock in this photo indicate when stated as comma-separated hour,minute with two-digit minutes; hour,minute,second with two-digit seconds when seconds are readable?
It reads 3,24
